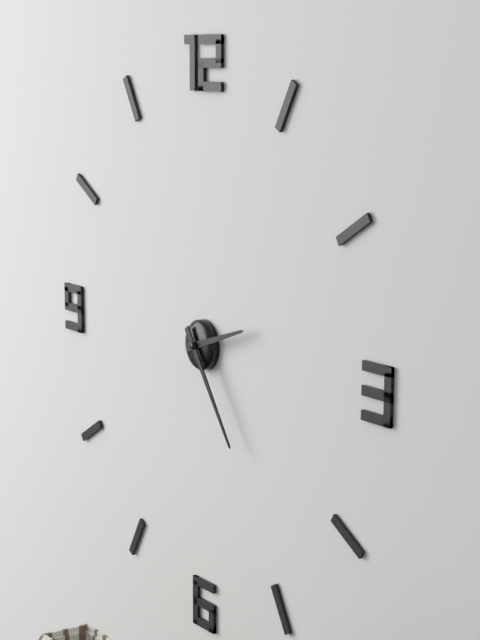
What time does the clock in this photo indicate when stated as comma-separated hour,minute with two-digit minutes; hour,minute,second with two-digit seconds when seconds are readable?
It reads 2,24
